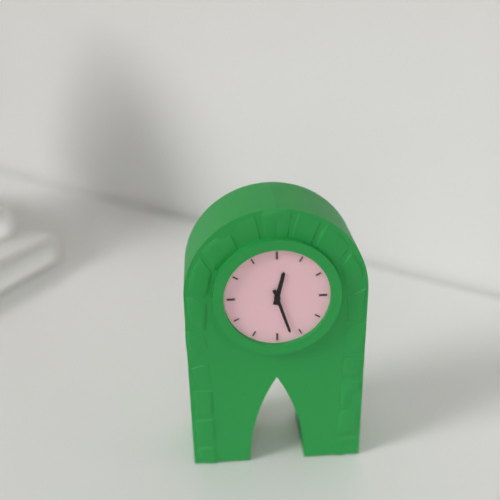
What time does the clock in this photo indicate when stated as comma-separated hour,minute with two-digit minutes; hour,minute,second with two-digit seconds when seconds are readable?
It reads 12,27
